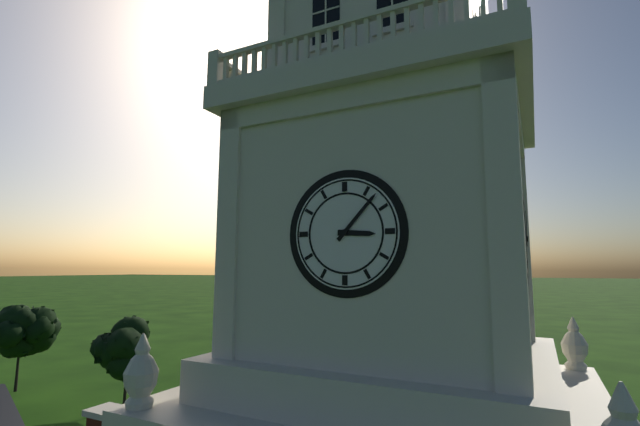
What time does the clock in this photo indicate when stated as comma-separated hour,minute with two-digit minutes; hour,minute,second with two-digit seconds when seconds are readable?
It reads 3,07
